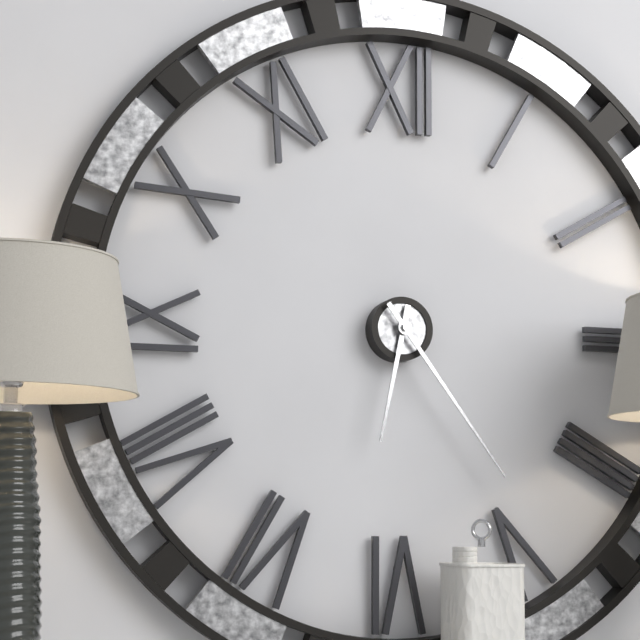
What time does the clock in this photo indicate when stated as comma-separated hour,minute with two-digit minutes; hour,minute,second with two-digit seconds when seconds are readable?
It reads 6,24
